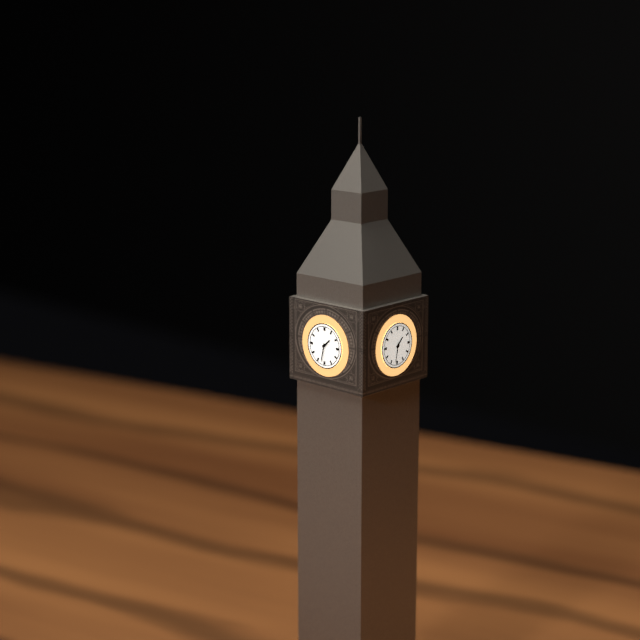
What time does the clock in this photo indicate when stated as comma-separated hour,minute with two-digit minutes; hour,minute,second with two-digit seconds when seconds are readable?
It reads 1,32
